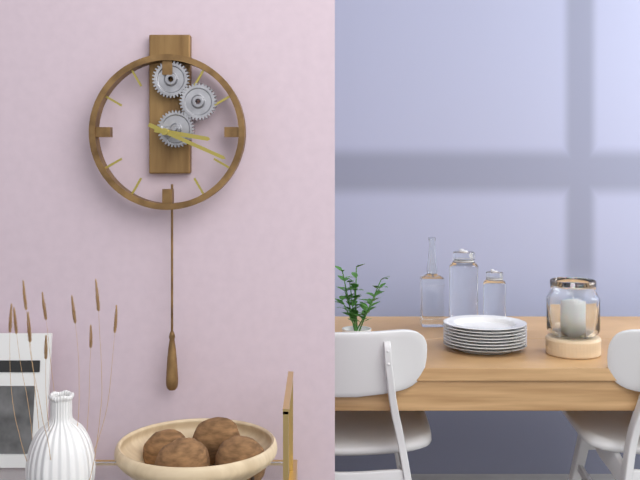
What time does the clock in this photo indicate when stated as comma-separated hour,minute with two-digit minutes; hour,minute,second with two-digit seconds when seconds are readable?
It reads 3,19
